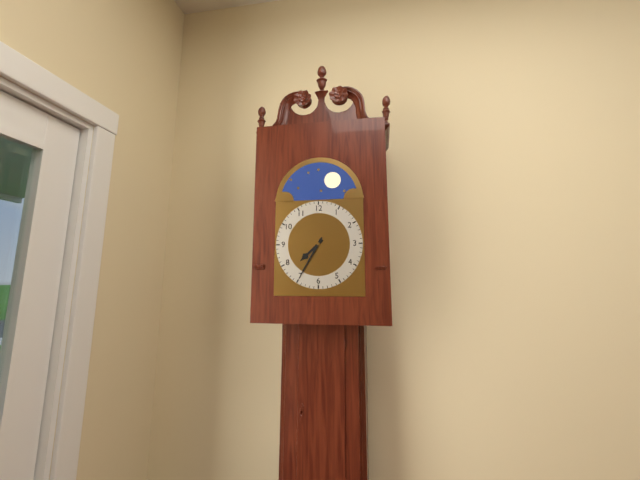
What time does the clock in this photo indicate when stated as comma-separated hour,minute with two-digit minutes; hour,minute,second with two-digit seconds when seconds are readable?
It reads 7,35
